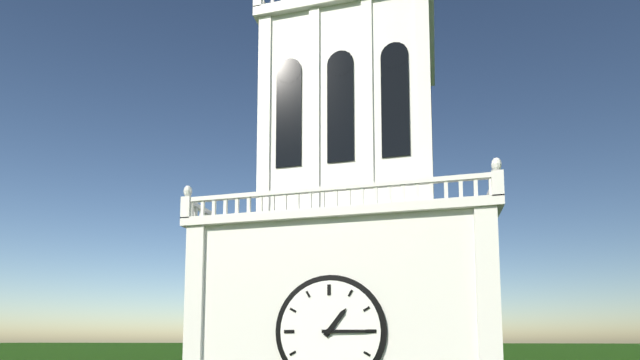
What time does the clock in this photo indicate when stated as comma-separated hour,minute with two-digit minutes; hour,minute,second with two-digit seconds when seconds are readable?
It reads 1,15
